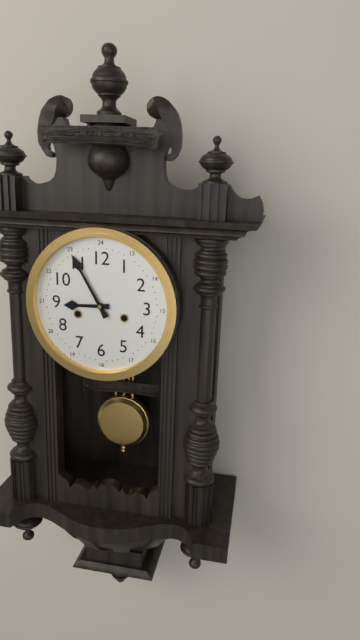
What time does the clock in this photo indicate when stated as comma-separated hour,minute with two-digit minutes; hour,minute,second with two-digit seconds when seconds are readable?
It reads 8,55
